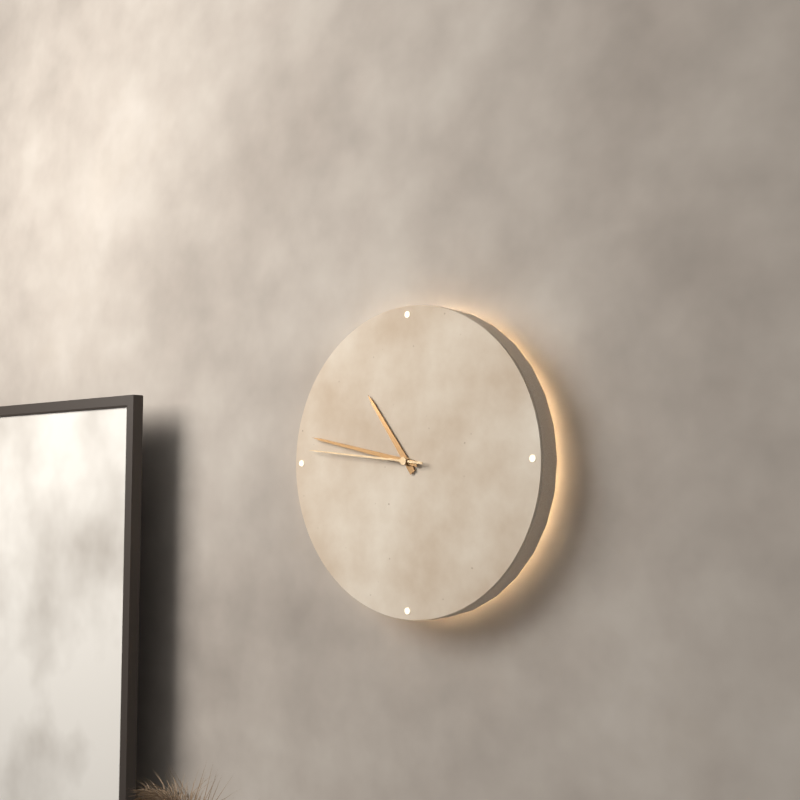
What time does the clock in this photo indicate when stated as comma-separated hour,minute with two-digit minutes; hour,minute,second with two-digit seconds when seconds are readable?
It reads 10,47,46
